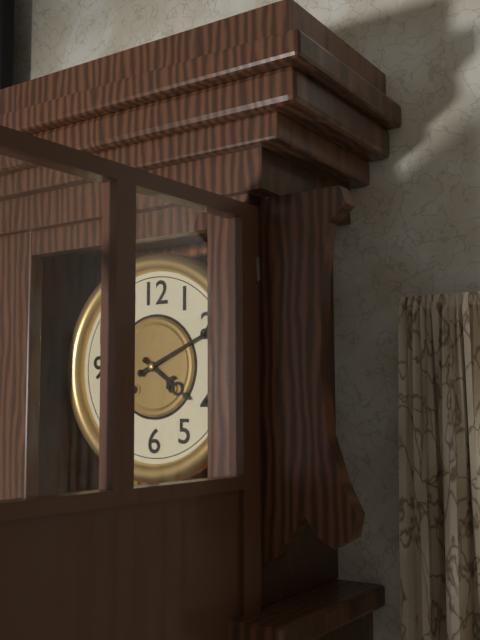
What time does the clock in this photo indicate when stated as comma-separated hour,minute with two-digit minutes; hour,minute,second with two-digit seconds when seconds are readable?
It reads 4,11
